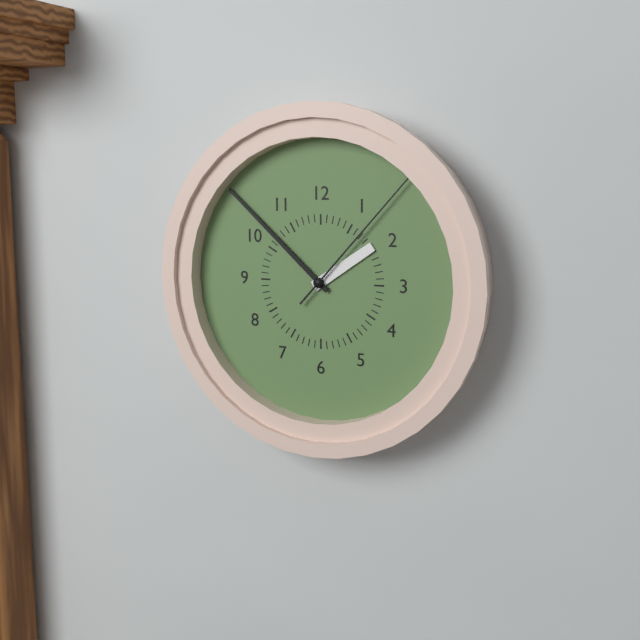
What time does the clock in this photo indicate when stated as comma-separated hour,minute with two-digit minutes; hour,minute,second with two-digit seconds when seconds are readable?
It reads 1,52,07
